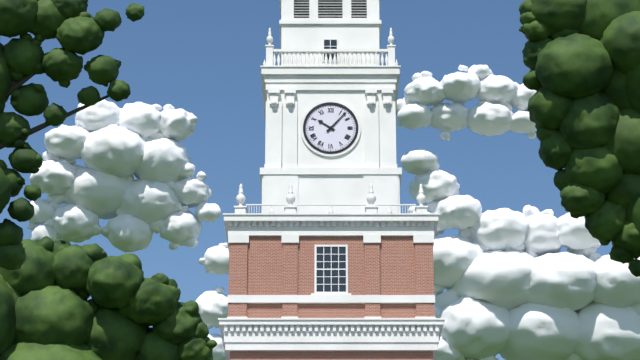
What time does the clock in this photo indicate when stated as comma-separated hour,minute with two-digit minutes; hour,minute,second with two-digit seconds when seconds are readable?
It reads 10,07
